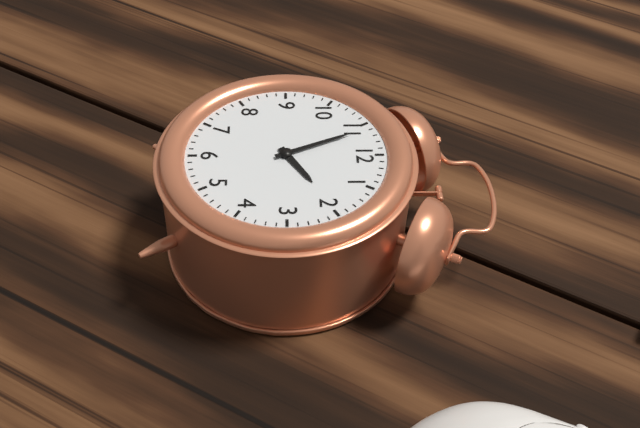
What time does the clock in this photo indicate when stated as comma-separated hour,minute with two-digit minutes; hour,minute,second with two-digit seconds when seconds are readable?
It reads 1,56
